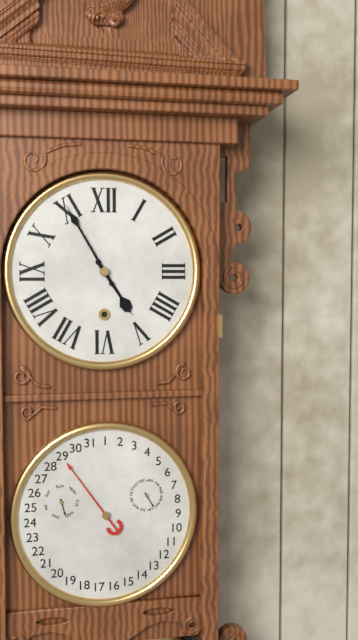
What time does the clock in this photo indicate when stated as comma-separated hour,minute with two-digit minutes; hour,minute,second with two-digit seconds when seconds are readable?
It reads 4,55
